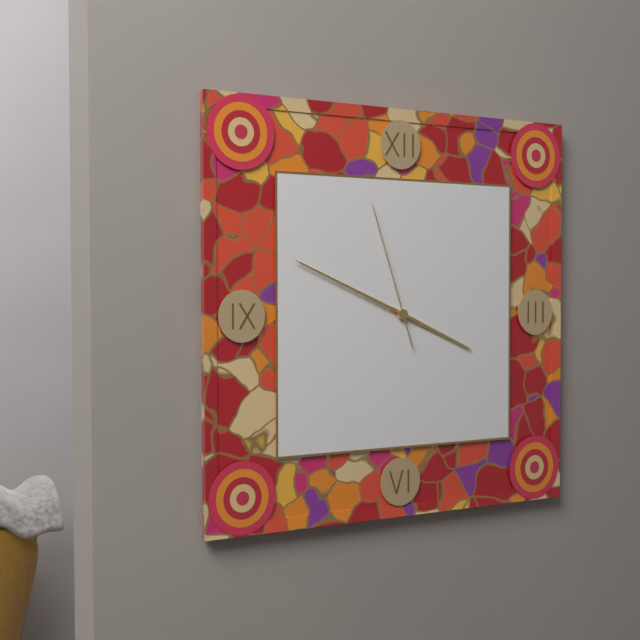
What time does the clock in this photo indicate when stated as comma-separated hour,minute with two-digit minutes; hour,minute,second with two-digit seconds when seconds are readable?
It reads 3,49,57
